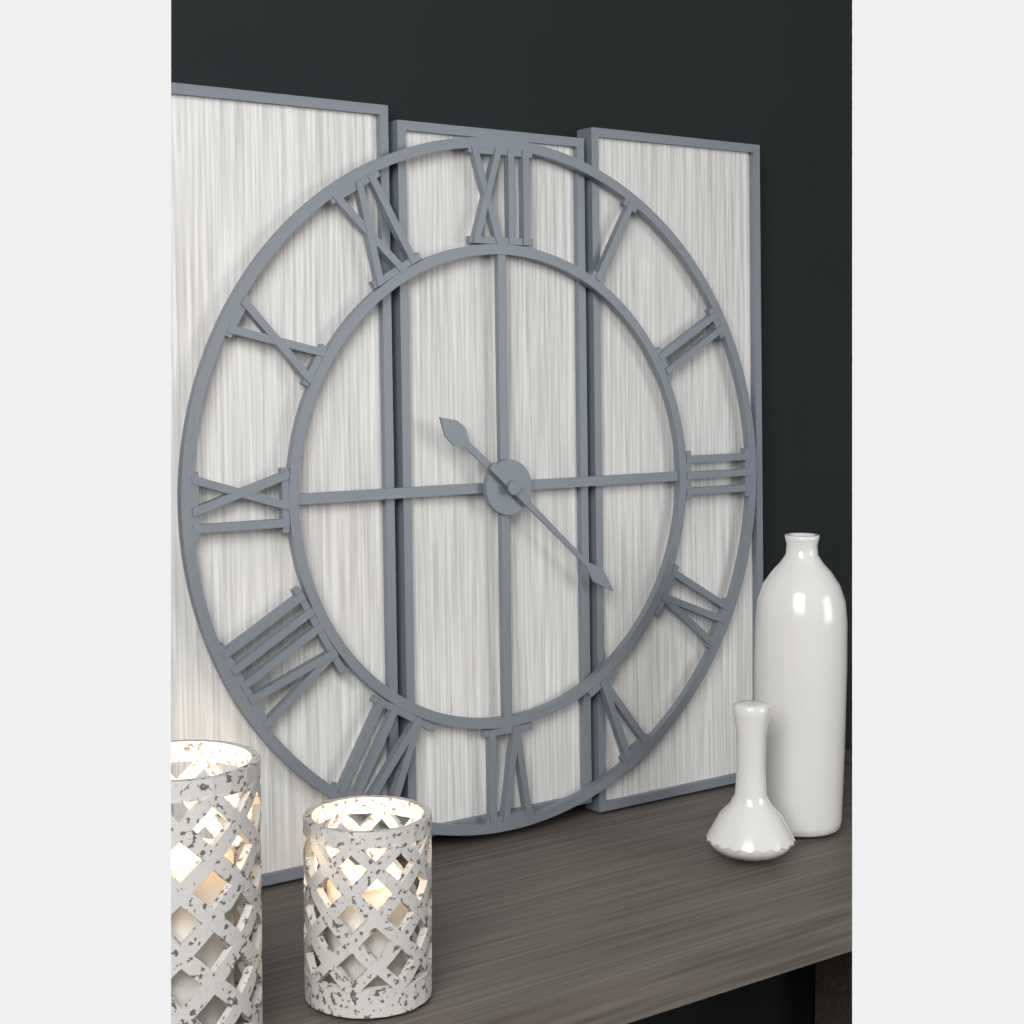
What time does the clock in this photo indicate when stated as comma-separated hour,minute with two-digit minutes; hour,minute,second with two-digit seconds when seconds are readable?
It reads 10,22
